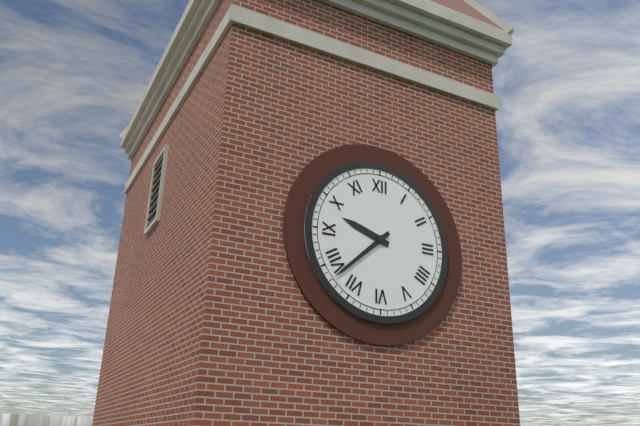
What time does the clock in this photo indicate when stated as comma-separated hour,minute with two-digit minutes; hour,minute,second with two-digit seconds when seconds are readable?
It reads 9,38
